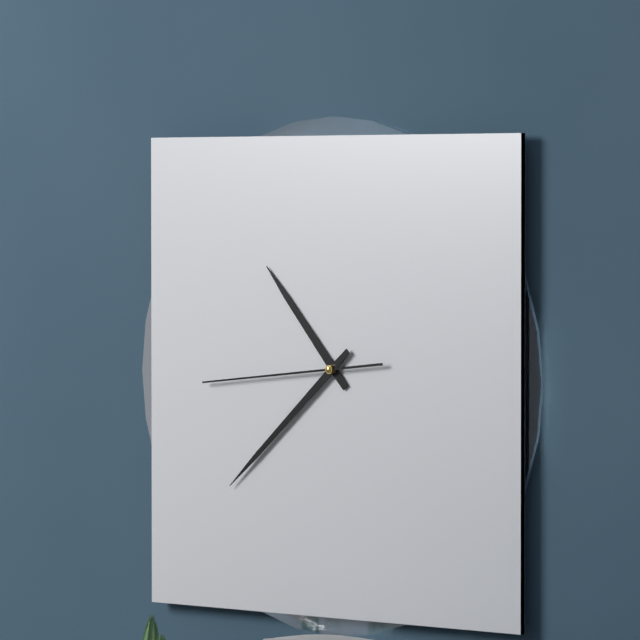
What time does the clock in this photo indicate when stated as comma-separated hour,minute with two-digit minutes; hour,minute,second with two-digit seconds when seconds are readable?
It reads 10,38,44
